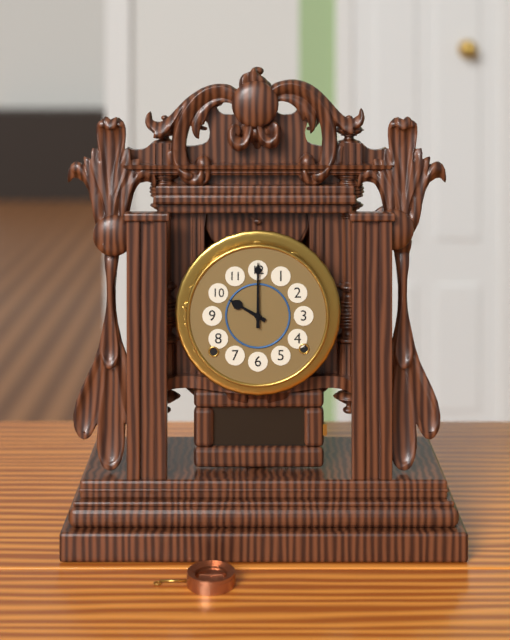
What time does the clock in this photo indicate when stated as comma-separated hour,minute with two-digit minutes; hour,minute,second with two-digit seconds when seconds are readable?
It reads 10,00
